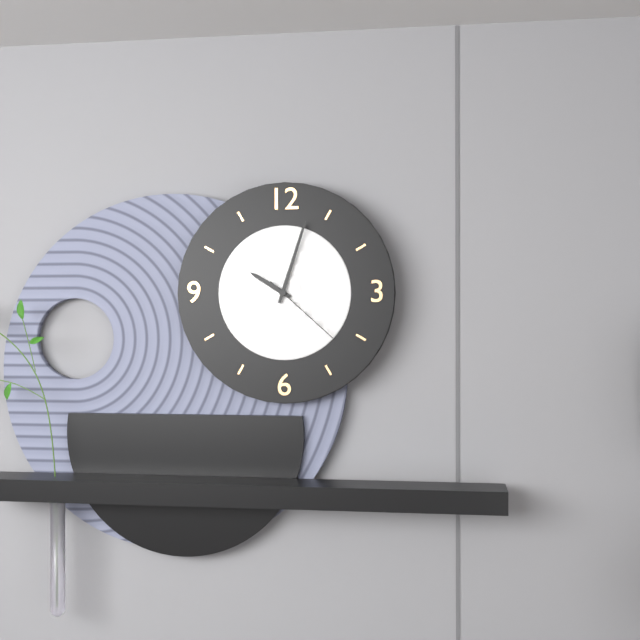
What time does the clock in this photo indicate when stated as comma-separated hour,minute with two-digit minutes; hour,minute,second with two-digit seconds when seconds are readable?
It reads 10,03,22
